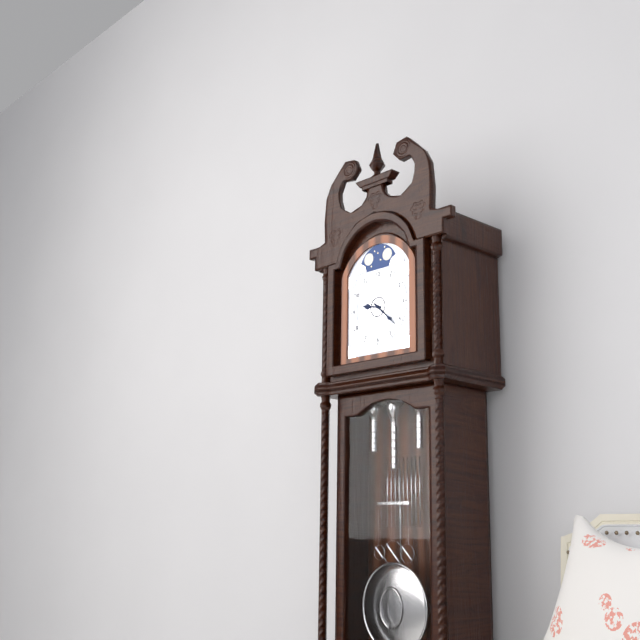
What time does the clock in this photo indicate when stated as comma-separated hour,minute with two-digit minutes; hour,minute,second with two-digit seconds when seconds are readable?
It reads 9,22
